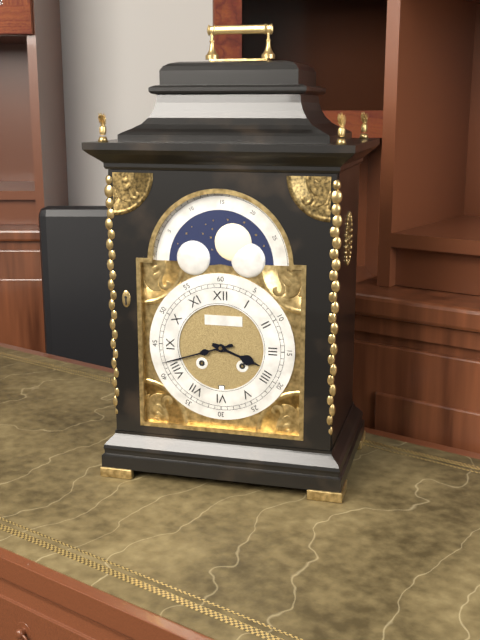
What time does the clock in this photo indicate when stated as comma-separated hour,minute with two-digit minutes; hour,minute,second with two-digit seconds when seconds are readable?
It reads 3,42
